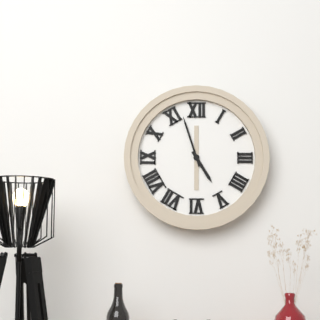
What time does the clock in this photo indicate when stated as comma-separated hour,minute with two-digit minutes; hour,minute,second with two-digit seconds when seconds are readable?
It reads 4,57
